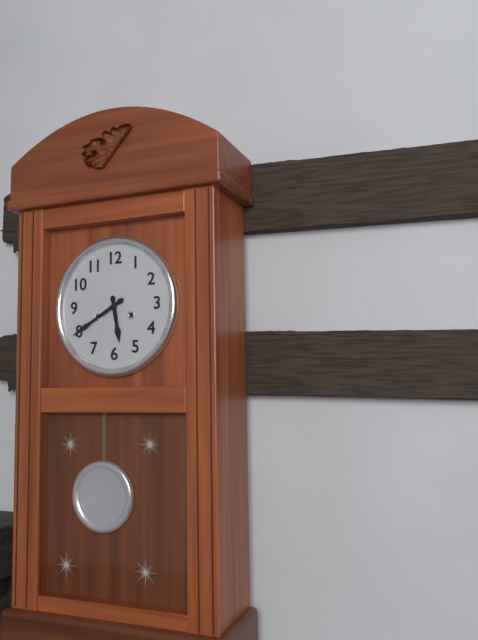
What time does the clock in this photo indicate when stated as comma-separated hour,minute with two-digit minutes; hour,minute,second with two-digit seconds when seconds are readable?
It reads 5,40
